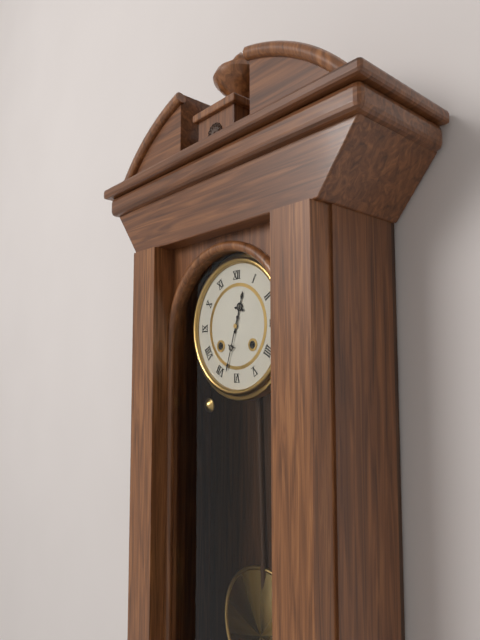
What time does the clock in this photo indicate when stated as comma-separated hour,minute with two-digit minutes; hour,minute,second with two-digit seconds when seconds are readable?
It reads 12,33
